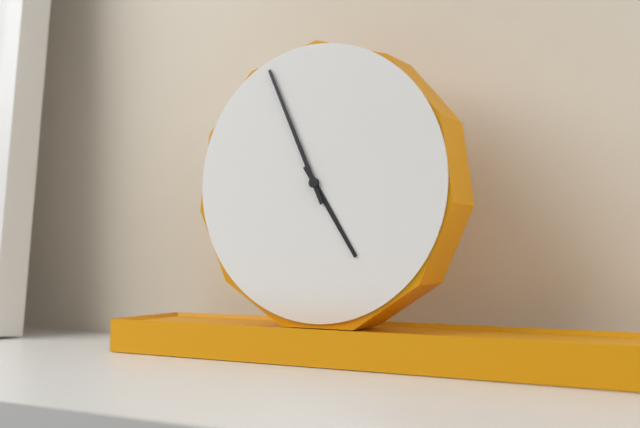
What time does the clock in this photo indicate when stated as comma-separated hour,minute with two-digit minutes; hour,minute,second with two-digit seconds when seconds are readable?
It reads 4,56
